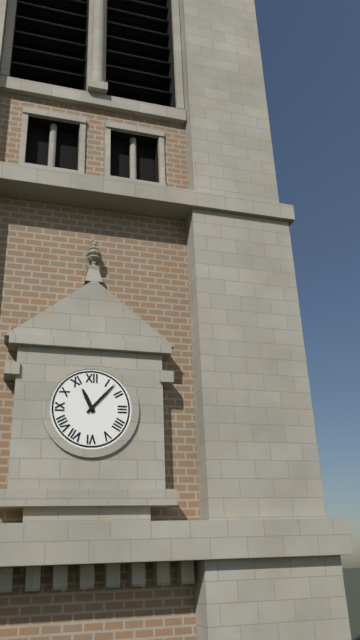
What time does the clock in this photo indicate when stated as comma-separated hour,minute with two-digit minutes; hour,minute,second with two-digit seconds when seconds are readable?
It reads 11,07
